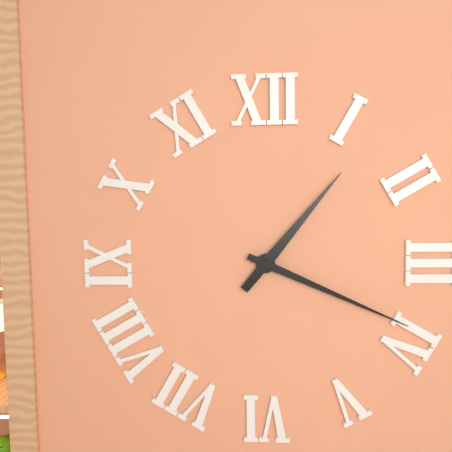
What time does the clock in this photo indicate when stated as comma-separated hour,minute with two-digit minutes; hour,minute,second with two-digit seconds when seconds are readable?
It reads 1,19
